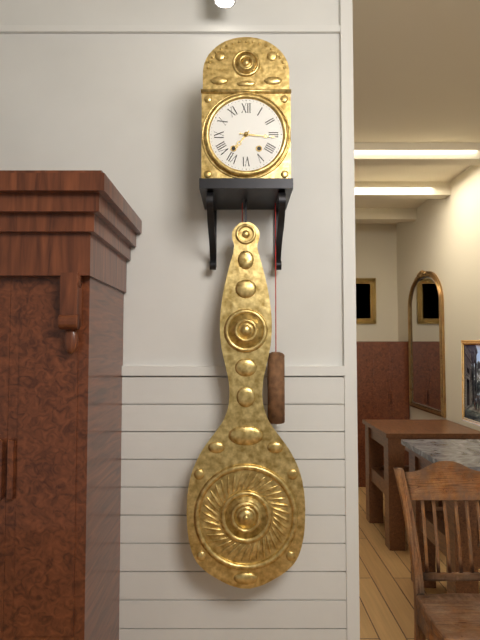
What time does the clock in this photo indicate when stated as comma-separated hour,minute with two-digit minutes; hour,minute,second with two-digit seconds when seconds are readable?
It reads 7,16
